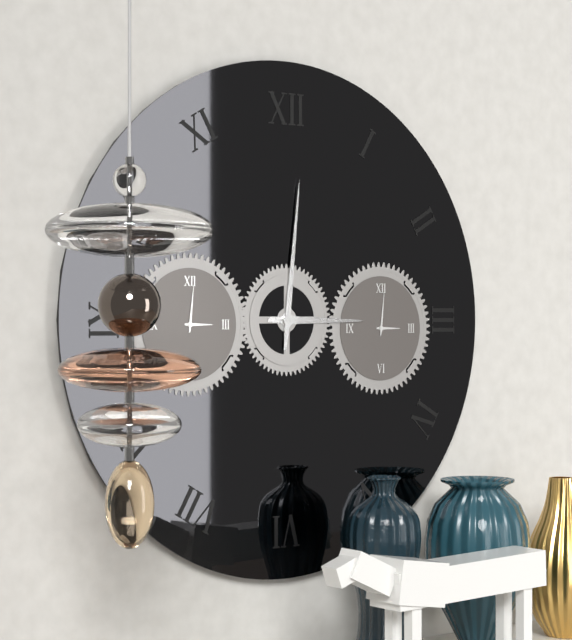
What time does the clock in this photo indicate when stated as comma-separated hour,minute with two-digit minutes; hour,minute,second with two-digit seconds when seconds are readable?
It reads 3,01
